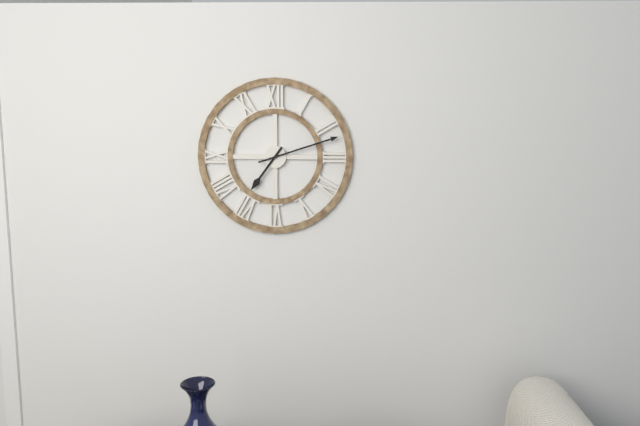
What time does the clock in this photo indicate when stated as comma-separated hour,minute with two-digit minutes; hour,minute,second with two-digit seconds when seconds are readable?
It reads 7,12
